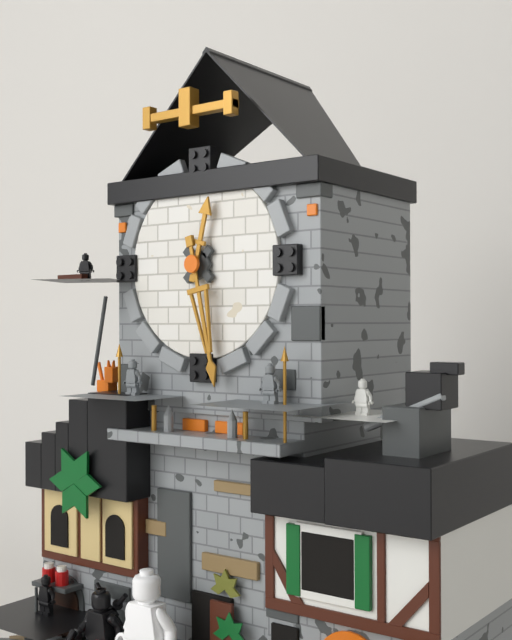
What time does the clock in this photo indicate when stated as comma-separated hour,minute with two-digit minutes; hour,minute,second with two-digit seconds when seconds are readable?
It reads 12,28
